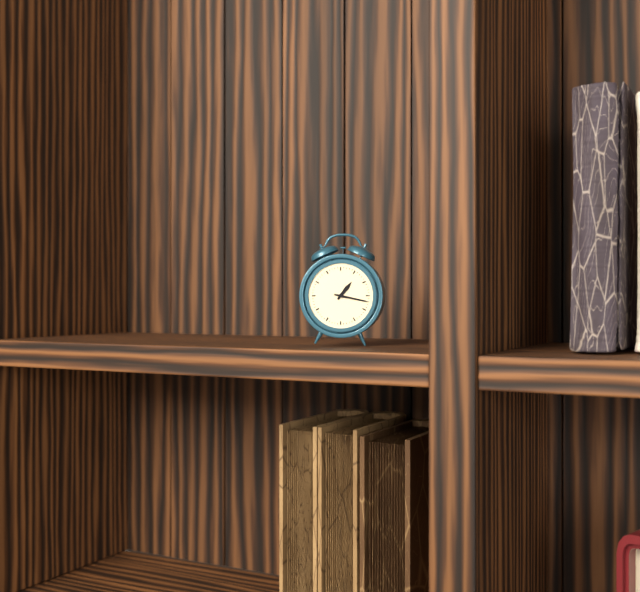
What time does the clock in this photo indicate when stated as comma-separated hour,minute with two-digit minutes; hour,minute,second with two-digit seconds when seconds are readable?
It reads 1,17
